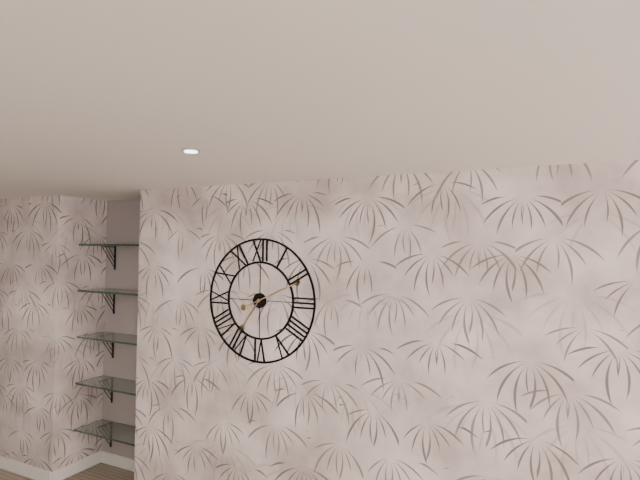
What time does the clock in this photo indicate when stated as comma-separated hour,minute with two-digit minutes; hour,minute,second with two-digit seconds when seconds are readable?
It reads 7,11
